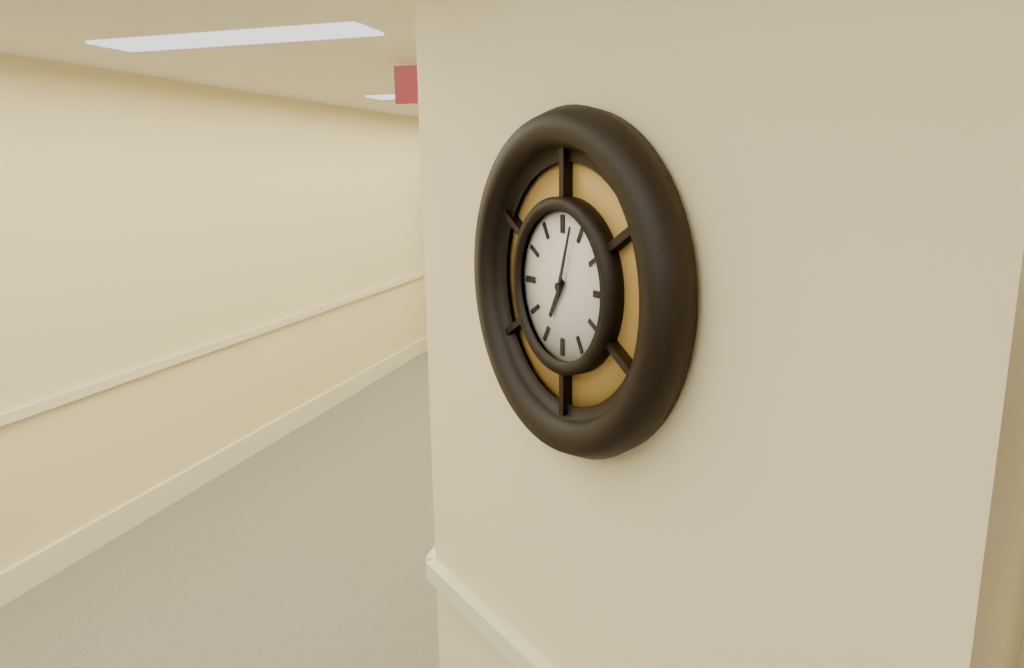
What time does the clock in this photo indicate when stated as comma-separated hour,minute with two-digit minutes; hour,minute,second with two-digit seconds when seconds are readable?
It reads 7,03
